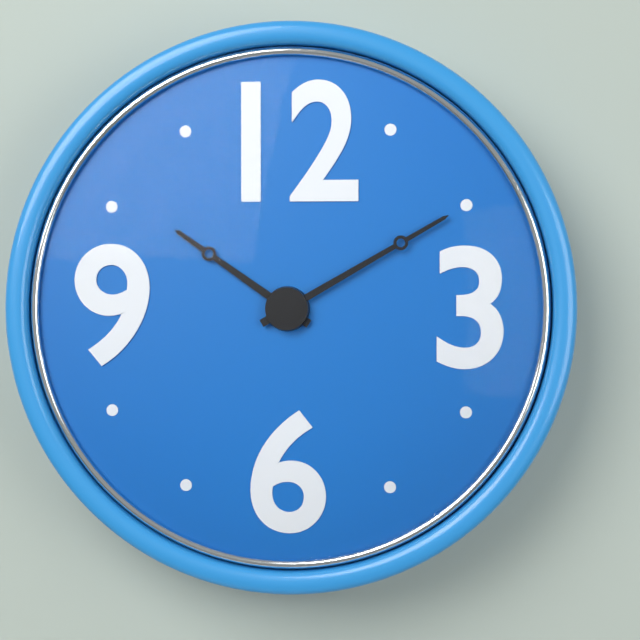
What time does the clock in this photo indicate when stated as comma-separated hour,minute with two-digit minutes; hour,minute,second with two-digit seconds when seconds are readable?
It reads 10,10
